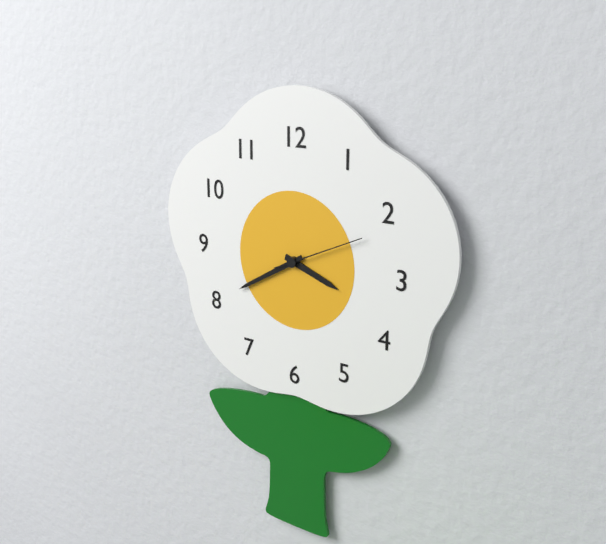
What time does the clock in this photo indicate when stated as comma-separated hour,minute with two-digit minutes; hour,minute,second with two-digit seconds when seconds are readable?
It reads 3,40,11
